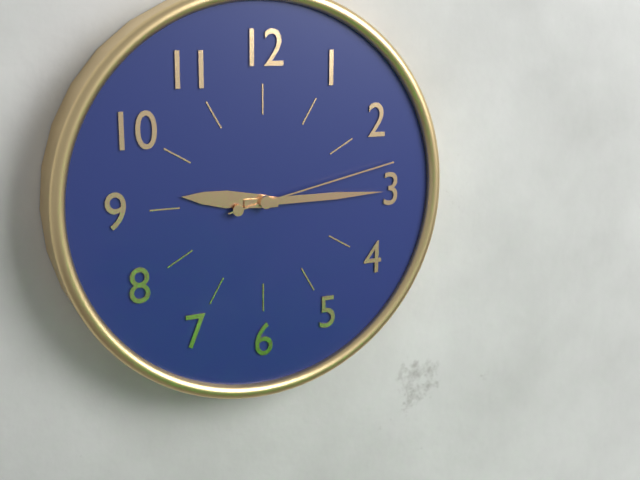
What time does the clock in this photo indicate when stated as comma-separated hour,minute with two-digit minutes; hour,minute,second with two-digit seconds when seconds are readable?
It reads 9,15,13
